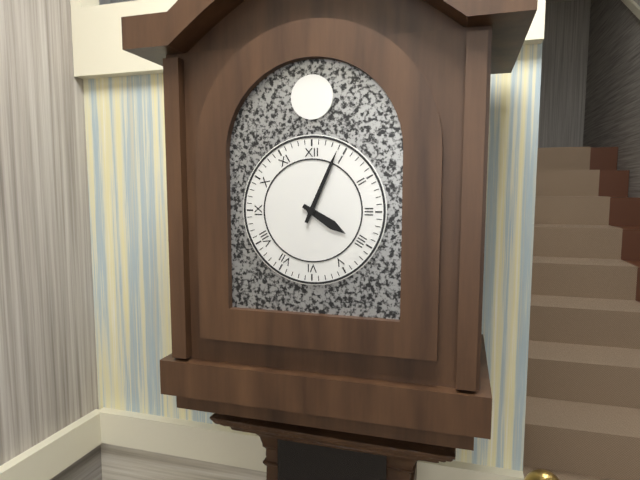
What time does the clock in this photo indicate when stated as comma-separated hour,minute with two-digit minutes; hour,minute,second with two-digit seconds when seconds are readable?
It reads 4,04
